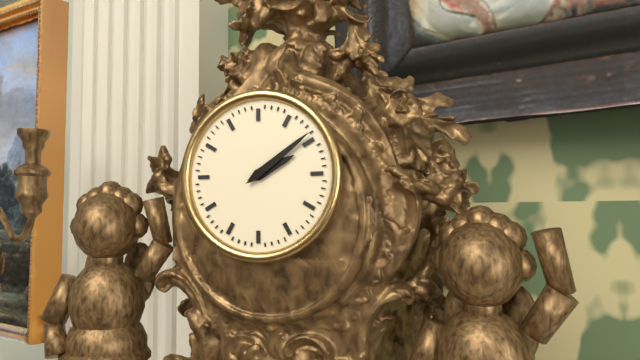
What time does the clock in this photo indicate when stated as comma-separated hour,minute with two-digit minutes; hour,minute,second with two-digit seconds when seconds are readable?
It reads 2,09
